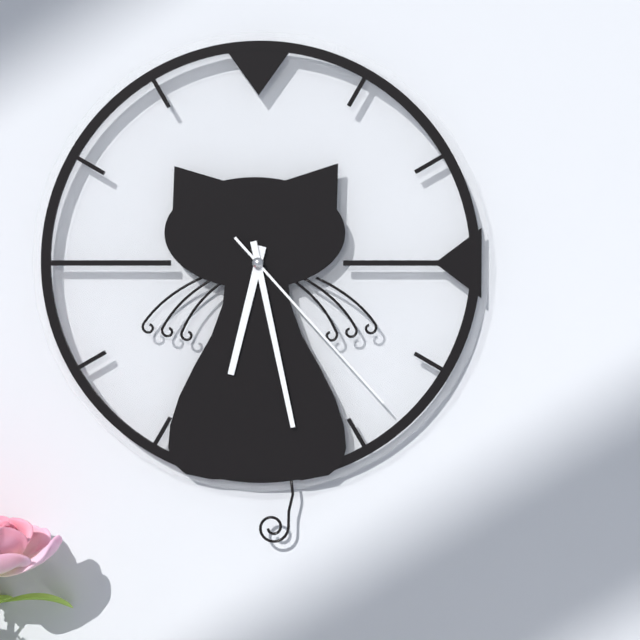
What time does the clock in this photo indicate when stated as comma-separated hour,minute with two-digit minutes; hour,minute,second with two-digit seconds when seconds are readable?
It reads 6,28,23
